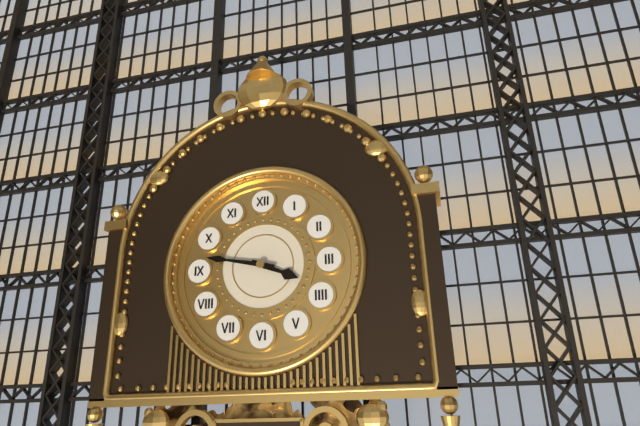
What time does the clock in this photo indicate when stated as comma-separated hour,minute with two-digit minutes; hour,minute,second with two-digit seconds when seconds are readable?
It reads 3,47
